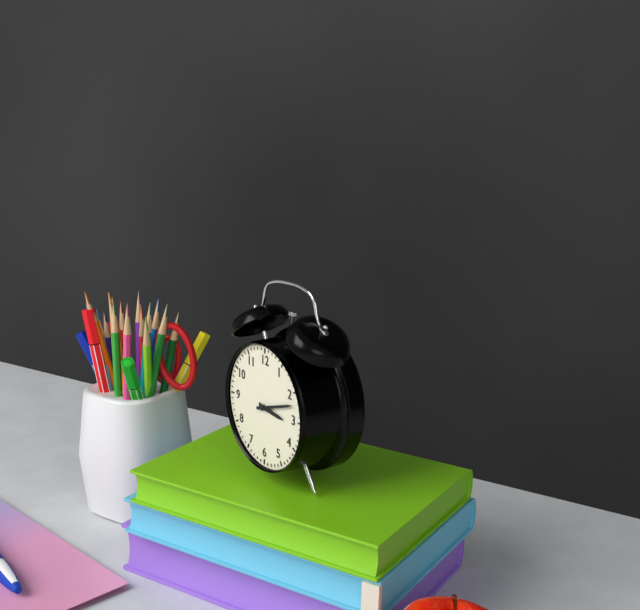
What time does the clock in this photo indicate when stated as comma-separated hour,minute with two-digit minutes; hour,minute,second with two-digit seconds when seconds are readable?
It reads 3,12
